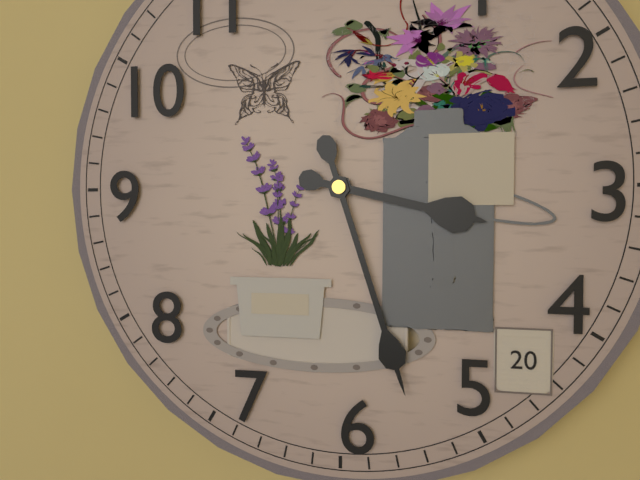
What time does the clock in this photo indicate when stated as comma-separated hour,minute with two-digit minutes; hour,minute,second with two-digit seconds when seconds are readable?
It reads 3,27
